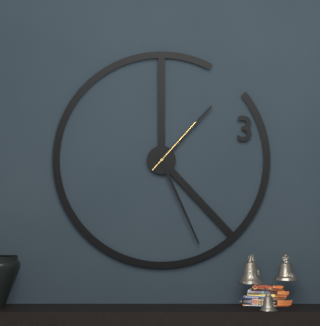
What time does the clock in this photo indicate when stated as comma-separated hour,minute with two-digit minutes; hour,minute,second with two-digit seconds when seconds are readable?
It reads 1,26,07
